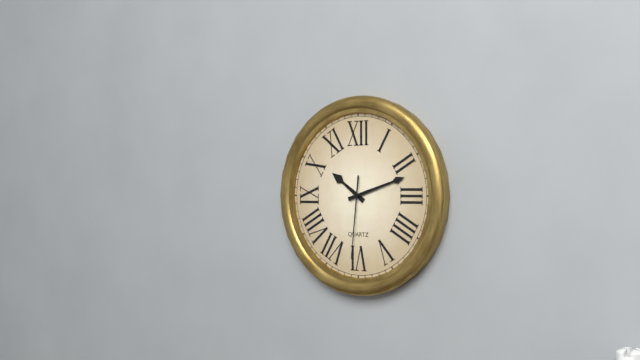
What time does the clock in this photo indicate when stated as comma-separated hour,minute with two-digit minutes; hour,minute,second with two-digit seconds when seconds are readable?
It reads 10,12,31
